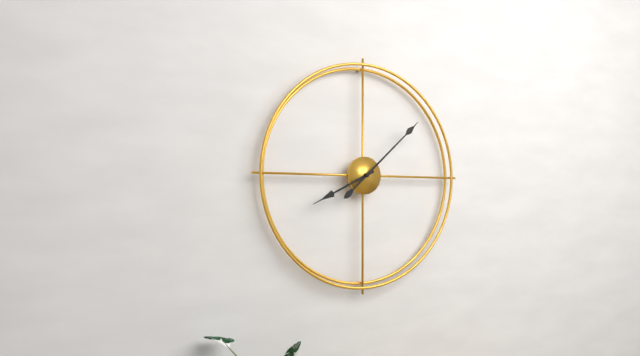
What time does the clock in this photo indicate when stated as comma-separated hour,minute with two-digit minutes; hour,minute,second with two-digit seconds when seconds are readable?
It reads 8,08
